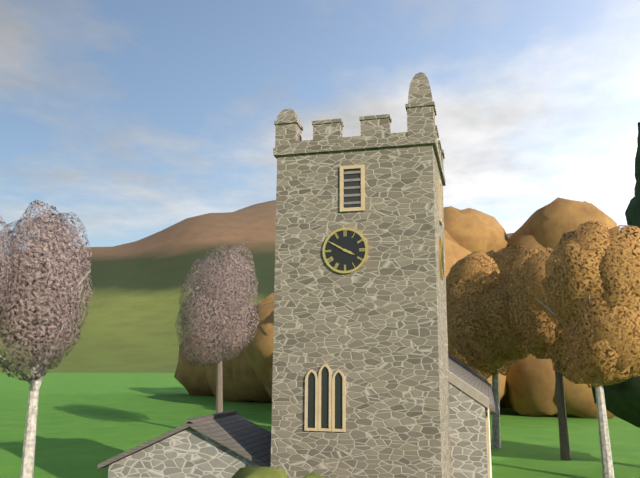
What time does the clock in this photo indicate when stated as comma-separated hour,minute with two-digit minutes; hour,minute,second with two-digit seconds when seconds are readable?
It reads 3,50
